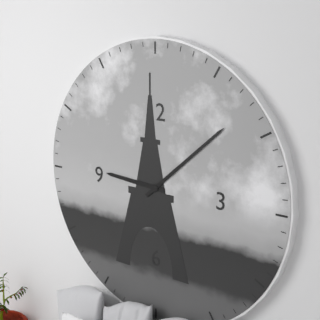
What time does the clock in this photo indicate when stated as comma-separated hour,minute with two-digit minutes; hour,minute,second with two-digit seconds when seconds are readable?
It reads 9,08
